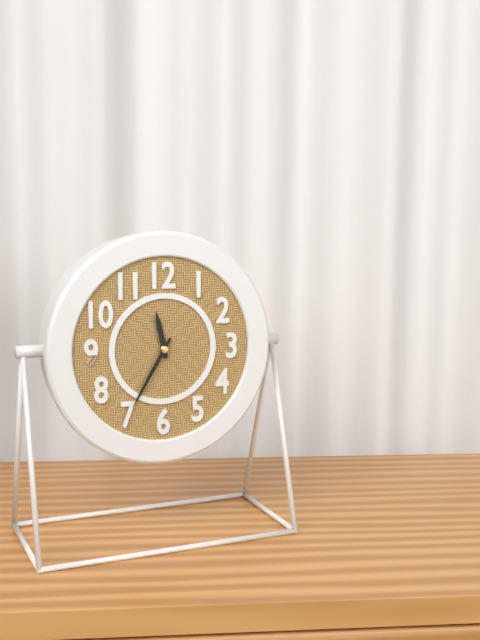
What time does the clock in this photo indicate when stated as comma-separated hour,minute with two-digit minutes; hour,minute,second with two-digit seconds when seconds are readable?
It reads 11,35
